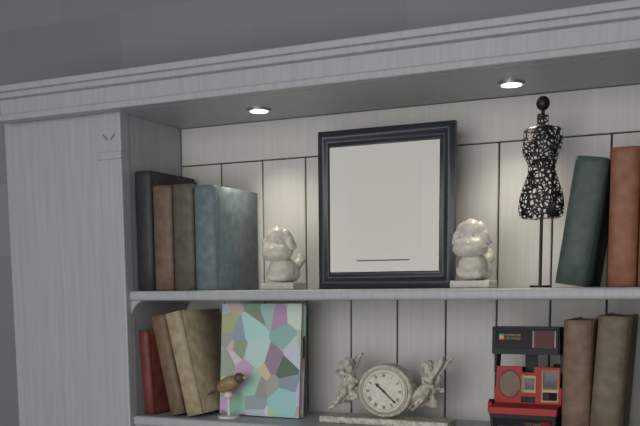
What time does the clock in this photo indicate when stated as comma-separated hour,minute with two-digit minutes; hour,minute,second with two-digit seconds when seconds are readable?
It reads 10,22
